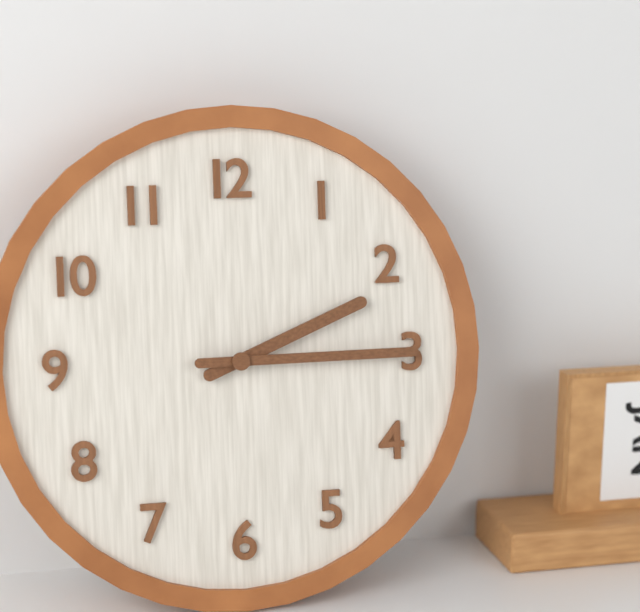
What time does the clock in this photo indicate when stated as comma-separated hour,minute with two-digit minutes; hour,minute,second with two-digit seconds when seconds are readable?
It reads 2,15
